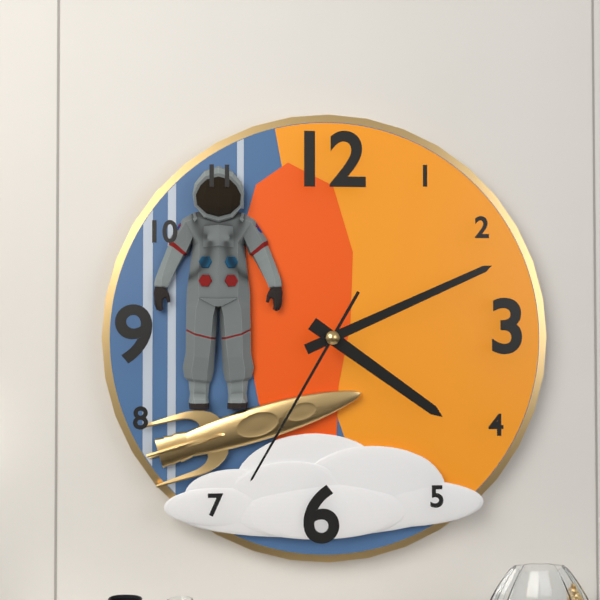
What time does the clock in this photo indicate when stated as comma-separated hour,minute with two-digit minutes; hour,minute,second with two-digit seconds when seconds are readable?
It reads 4,11,35
